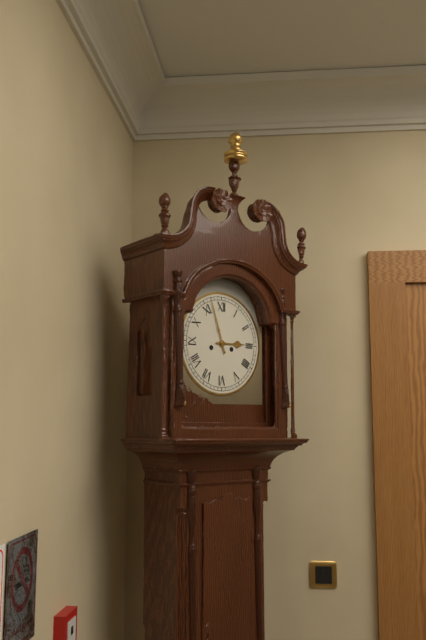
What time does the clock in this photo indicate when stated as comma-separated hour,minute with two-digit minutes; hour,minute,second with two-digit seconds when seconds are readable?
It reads 2,57
